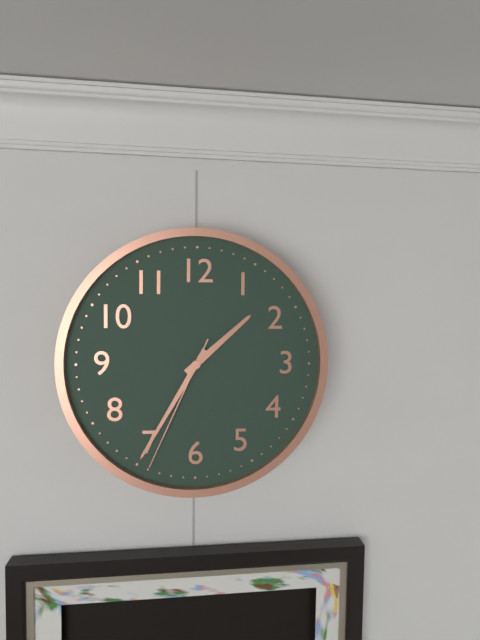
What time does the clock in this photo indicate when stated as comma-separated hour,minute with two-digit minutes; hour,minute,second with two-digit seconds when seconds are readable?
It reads 1,35,34
